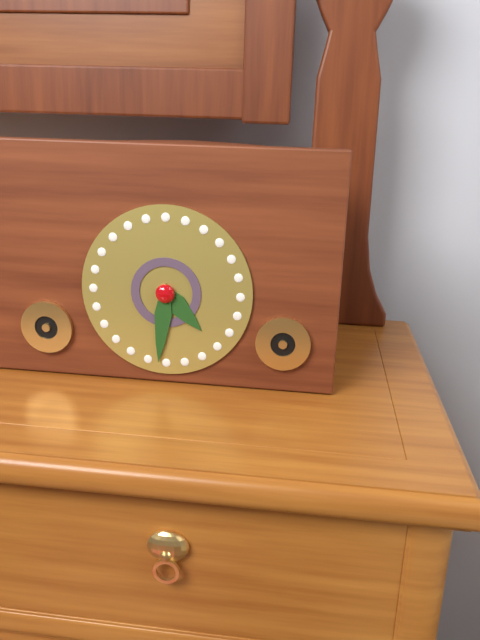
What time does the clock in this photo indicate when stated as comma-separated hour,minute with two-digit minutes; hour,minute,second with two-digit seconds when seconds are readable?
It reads 4,31
